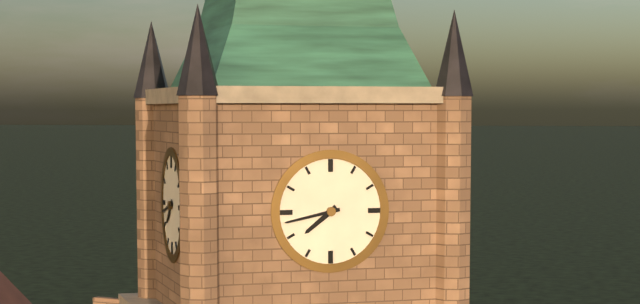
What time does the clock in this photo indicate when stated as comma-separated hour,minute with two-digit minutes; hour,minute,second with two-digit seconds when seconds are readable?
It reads 7,43
